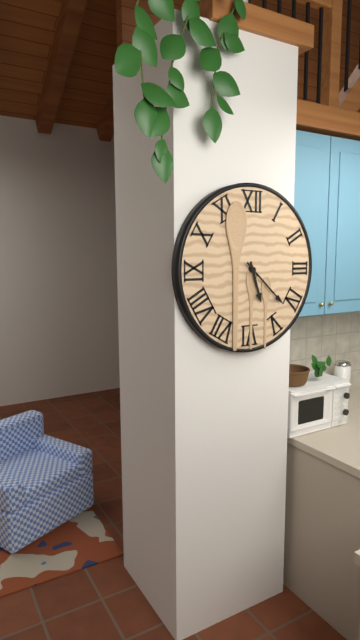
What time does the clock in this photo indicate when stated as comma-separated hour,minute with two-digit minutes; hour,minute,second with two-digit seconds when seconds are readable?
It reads 5,22
